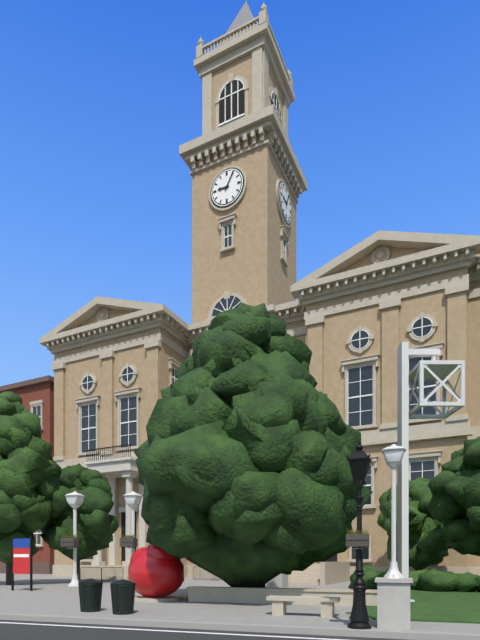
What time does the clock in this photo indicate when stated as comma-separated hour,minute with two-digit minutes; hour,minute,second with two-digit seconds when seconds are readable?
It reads 9,05
